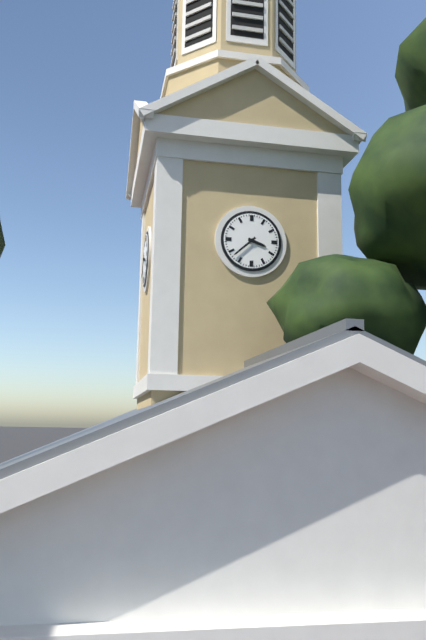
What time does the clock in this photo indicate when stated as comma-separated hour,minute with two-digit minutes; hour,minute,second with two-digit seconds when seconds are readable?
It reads 3,38
